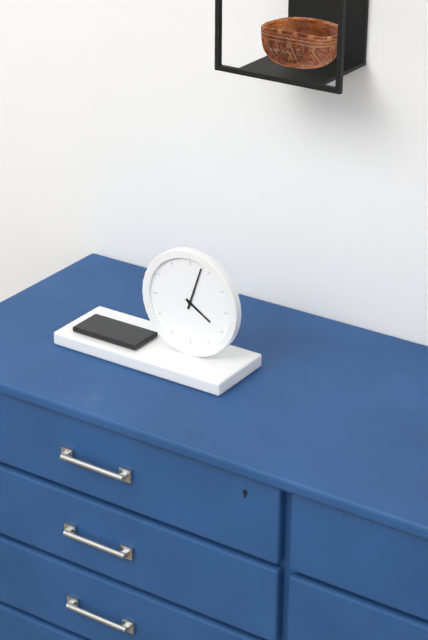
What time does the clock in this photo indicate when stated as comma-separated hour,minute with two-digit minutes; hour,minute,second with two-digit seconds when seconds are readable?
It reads 4,03
